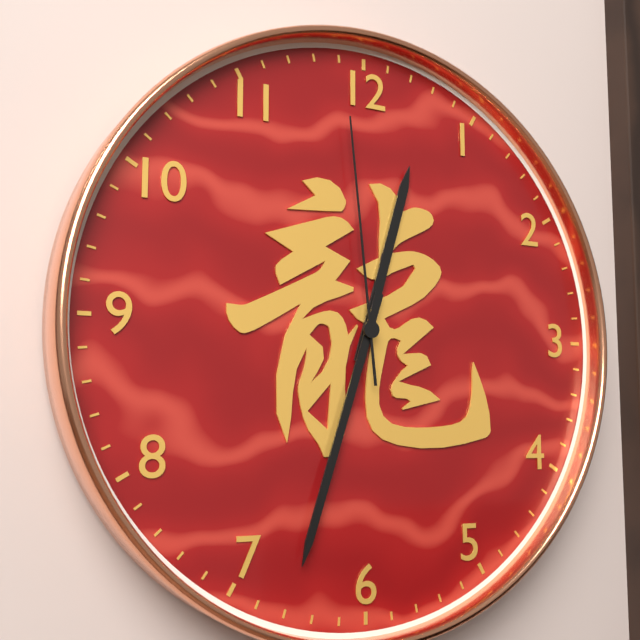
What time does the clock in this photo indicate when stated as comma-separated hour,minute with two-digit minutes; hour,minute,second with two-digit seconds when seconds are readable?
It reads 12,33,59
